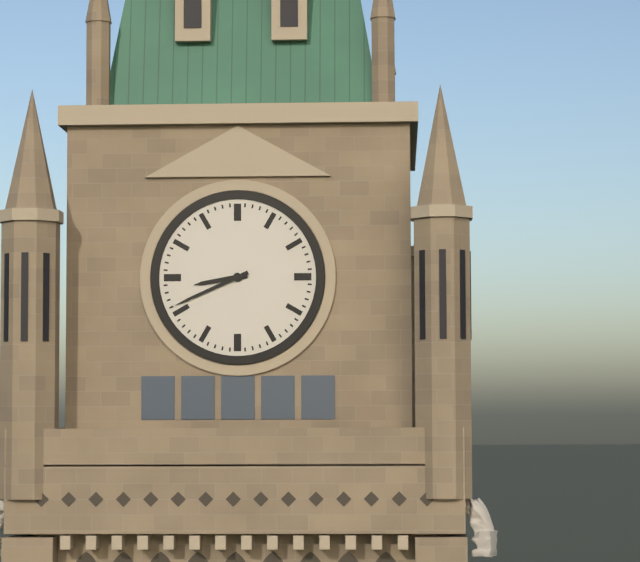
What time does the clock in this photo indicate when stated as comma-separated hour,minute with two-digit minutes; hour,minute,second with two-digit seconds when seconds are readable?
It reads 8,41
